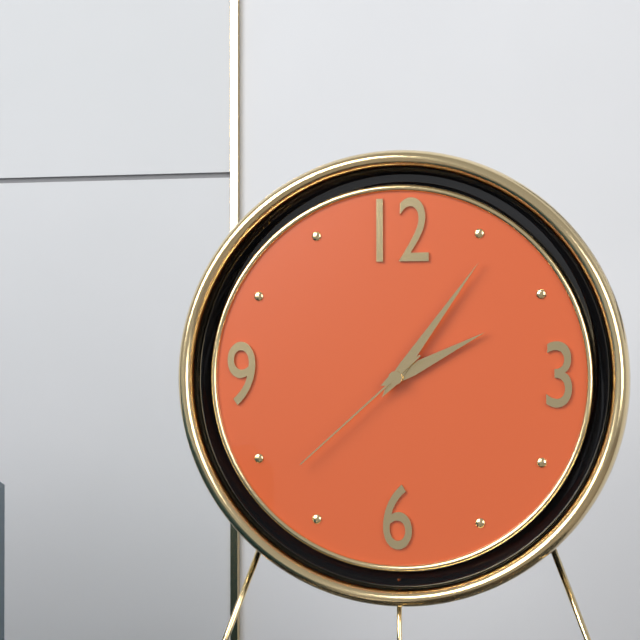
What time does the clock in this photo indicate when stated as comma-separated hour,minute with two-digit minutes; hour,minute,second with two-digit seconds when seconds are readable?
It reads 2,06,38
